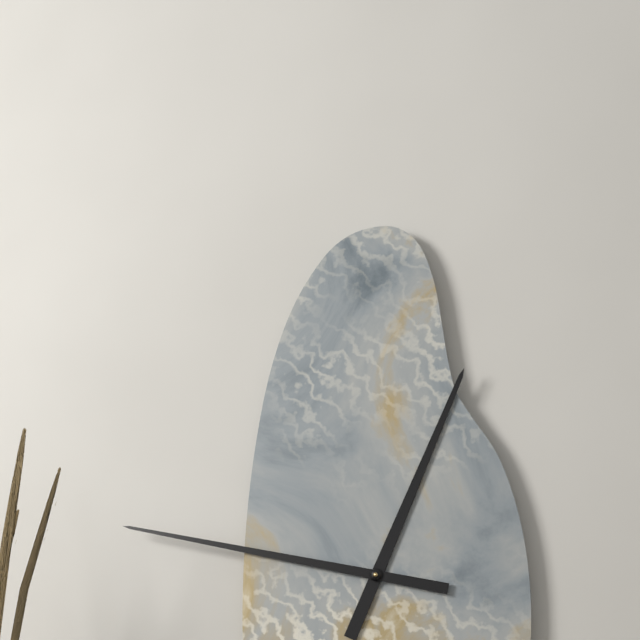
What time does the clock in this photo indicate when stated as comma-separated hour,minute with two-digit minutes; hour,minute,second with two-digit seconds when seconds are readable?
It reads 12,47
